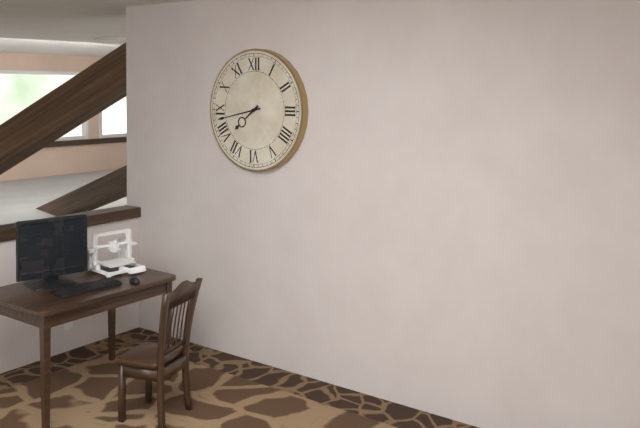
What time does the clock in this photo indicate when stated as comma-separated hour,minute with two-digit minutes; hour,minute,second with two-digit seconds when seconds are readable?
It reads 7,43
